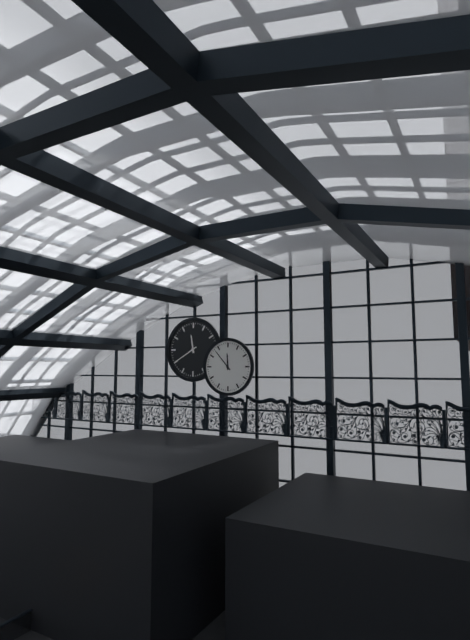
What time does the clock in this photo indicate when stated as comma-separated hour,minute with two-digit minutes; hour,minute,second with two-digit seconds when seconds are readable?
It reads 11,53
